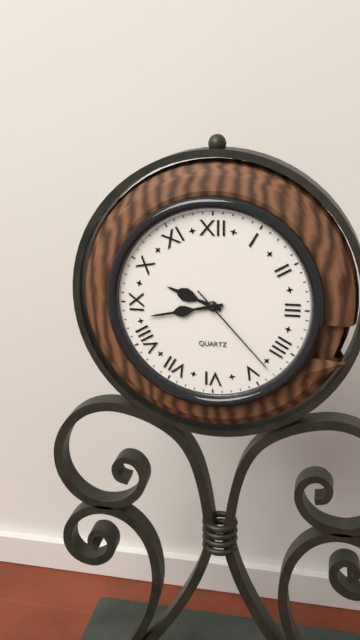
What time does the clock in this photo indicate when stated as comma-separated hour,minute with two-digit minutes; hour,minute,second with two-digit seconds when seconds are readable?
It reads 9,43,23
